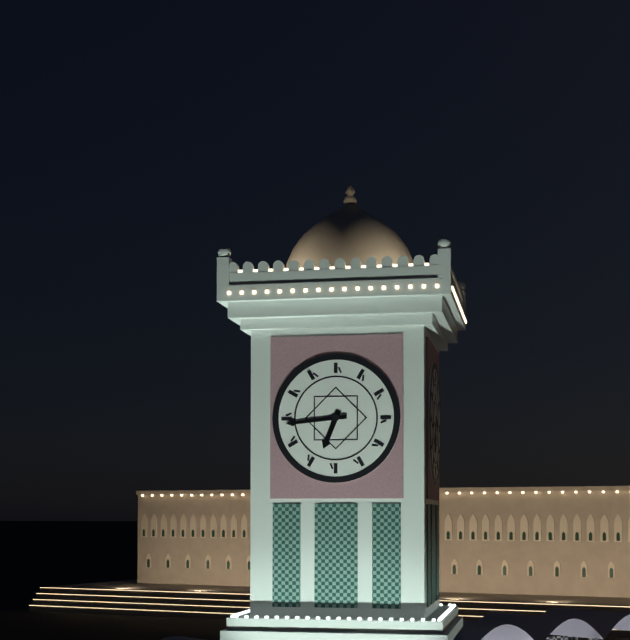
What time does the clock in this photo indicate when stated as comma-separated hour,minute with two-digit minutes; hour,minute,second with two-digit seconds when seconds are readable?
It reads 6,44
